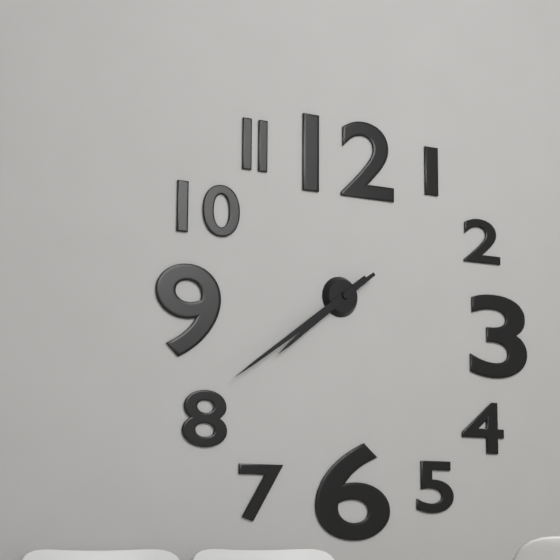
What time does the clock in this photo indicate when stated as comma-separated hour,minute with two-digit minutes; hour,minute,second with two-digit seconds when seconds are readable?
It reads 7,39
